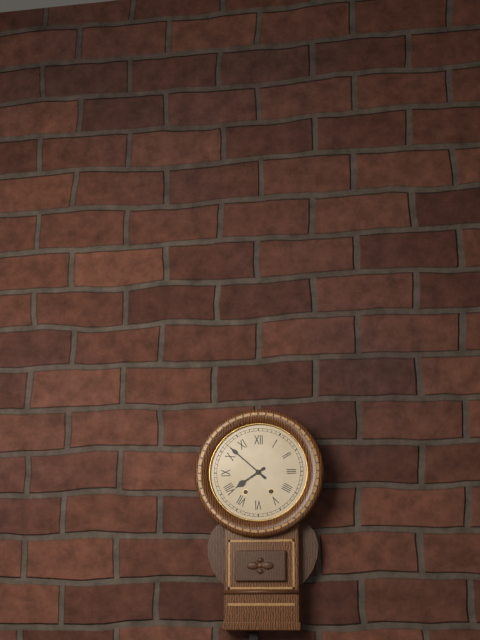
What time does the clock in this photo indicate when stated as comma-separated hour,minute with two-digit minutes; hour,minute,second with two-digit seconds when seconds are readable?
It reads 7,52
